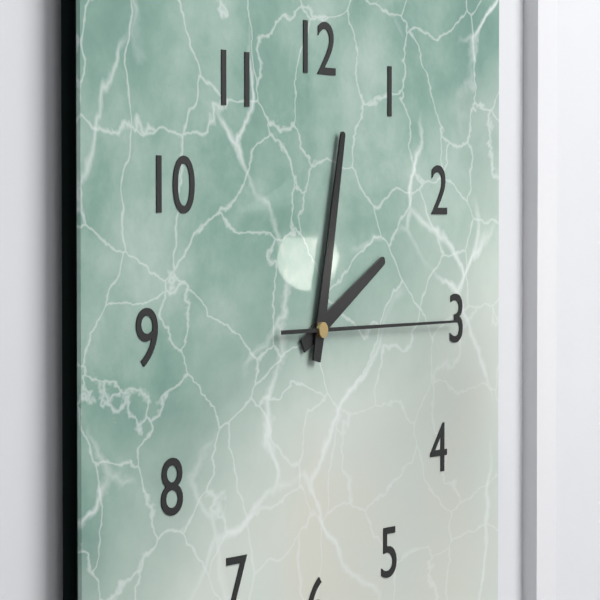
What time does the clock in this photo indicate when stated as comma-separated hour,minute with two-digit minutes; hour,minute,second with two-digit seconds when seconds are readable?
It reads 2,02,15
